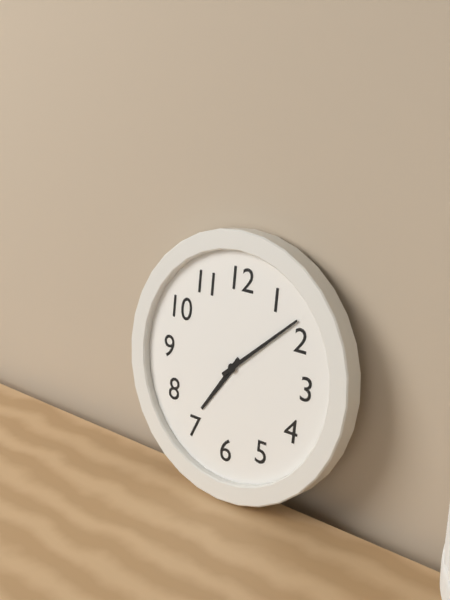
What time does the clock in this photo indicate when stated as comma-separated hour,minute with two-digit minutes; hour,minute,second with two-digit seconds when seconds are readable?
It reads 7,08
